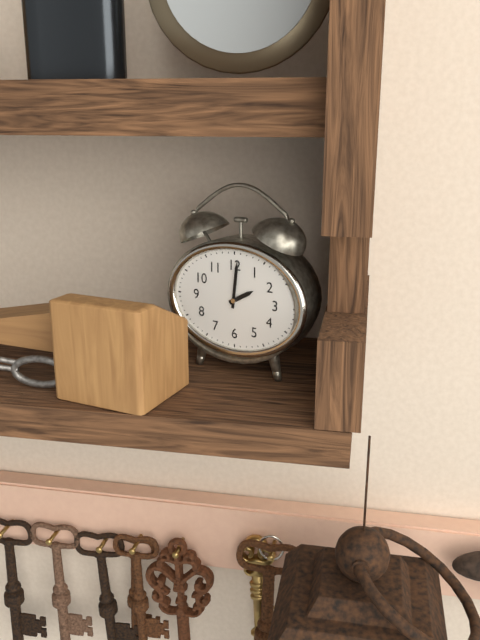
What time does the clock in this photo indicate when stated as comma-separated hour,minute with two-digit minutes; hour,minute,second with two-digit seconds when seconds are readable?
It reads 2,01
